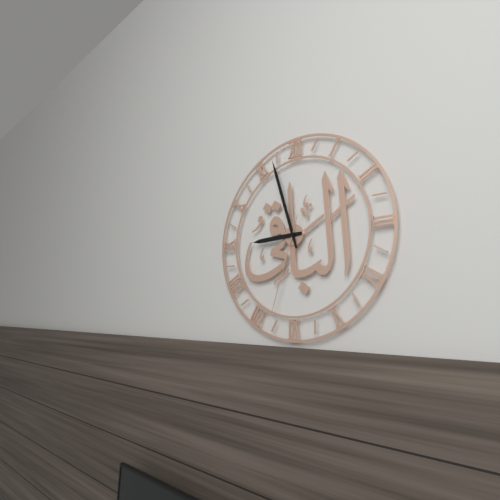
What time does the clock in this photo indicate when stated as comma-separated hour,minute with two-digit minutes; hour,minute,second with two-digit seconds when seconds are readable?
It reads 8,57,33
